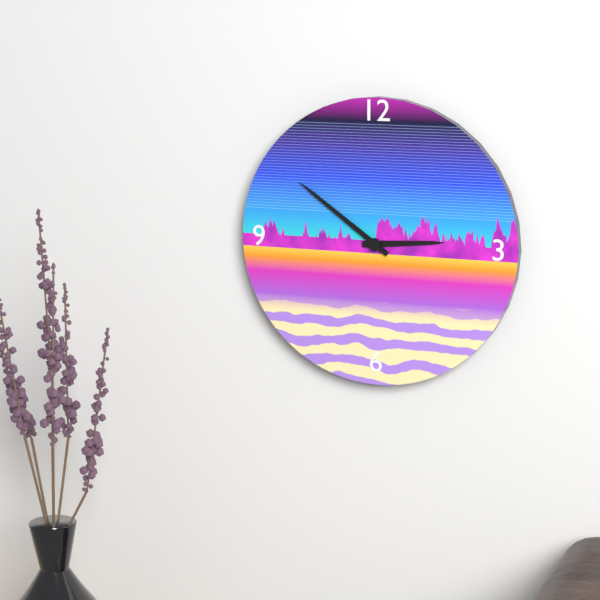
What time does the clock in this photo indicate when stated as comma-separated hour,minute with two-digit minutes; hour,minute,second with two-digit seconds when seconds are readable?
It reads 2,51
